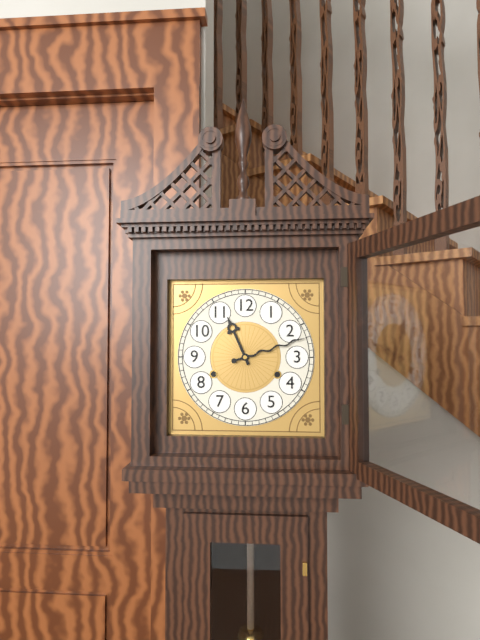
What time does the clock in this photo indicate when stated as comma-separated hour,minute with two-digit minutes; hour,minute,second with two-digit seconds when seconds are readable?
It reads 11,12
